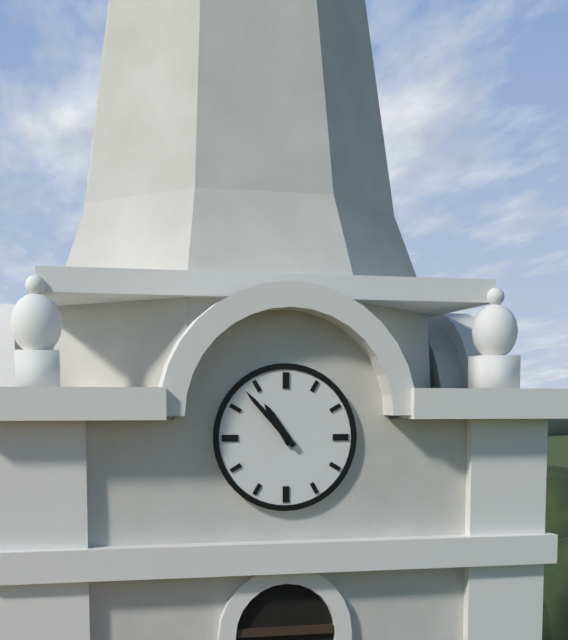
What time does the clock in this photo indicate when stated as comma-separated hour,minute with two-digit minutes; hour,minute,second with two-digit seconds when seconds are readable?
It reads 10,53
